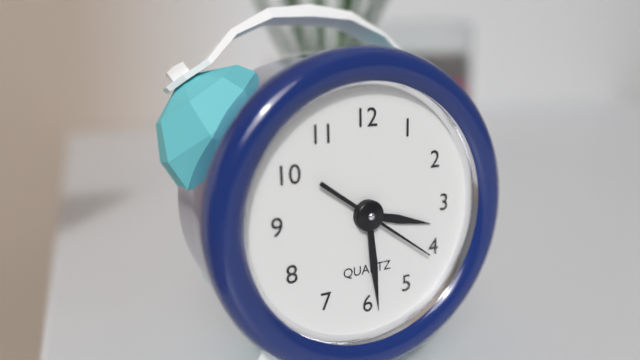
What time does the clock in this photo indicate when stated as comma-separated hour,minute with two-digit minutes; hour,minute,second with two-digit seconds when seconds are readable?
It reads 3,29,21
